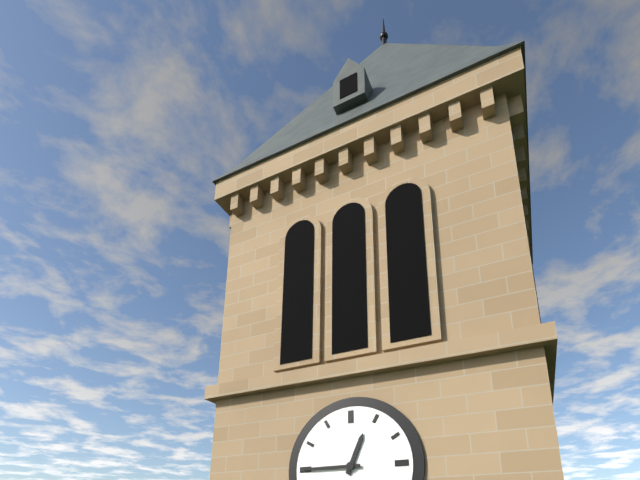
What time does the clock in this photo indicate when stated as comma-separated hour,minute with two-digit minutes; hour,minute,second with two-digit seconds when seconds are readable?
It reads 12,45
